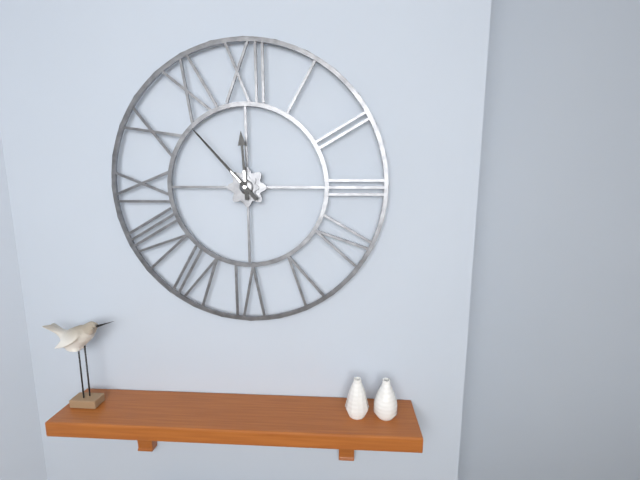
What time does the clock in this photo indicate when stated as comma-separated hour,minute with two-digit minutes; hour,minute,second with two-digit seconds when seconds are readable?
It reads 11,53
